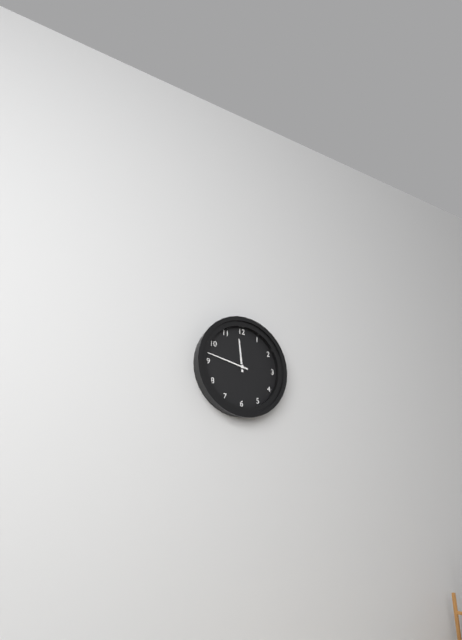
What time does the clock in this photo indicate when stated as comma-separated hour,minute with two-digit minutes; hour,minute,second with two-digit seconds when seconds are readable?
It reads 11,47
